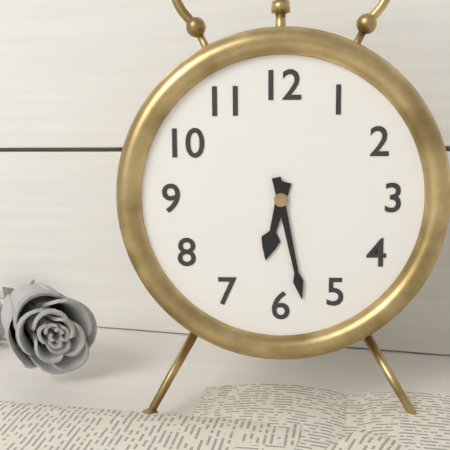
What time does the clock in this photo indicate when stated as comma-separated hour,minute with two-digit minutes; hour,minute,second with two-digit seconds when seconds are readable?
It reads 6,28
